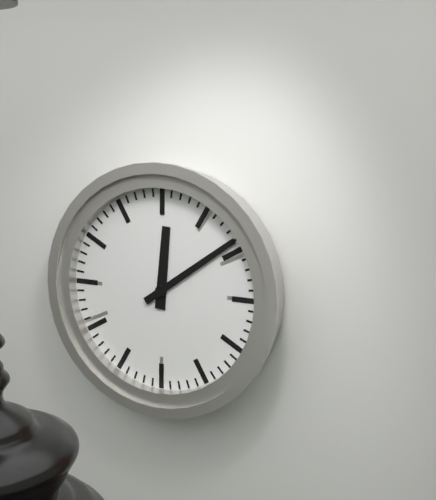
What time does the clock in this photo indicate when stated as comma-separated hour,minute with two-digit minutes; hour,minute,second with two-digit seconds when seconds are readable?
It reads 12,09
